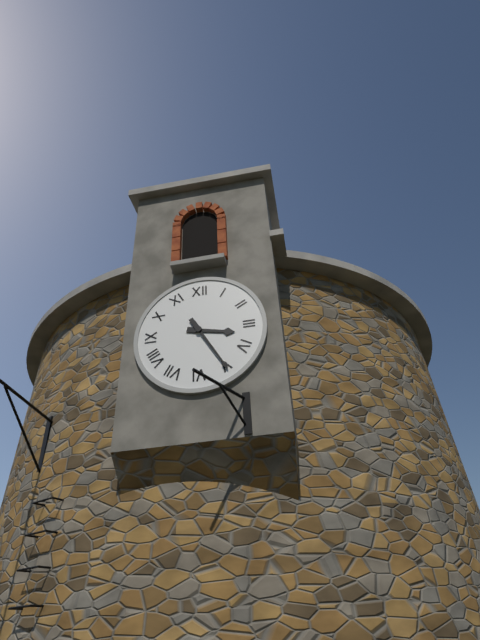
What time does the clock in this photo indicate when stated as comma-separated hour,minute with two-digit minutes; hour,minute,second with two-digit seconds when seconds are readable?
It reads 3,25
